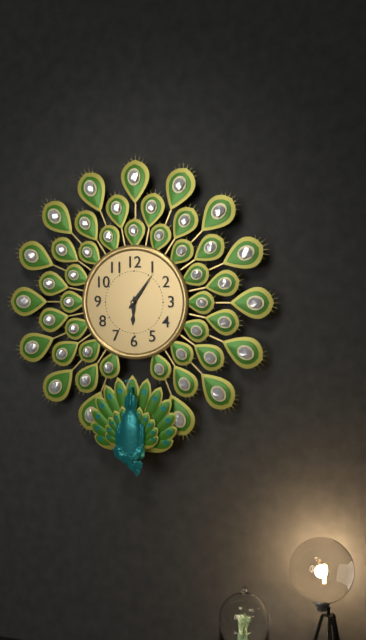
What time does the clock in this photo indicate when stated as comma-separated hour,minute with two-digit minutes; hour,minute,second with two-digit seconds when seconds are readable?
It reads 6,06
